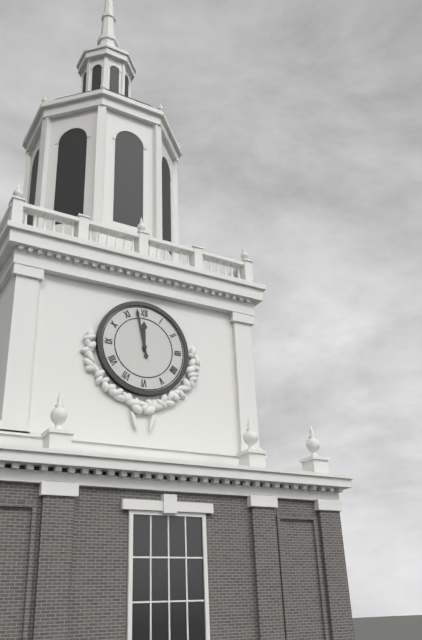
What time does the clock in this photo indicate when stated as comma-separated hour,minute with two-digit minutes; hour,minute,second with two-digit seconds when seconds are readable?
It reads 11,58
